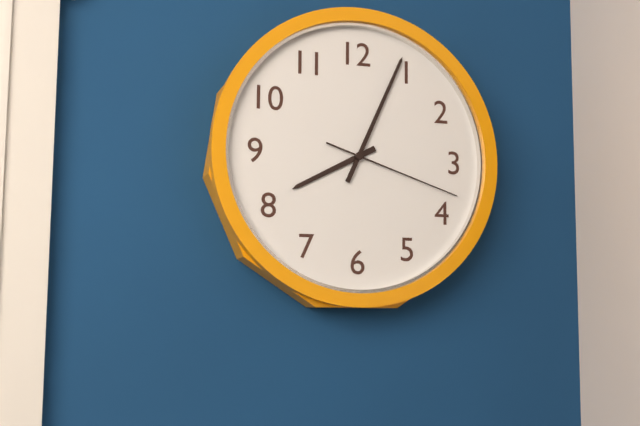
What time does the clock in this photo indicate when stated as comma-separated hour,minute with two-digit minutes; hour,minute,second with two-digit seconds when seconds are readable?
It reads 8,04,18
